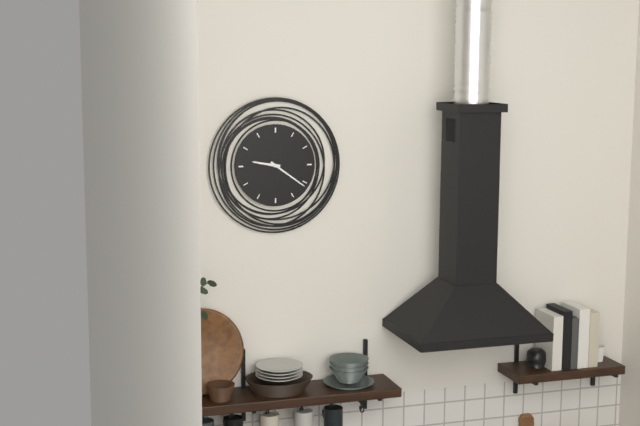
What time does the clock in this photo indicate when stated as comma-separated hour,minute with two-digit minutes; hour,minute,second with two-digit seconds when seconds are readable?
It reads 9,21
